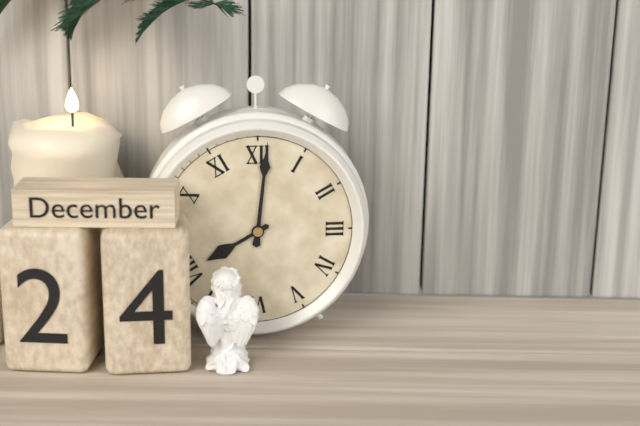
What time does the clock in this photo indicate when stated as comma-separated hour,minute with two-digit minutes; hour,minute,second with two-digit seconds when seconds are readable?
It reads 8,01
